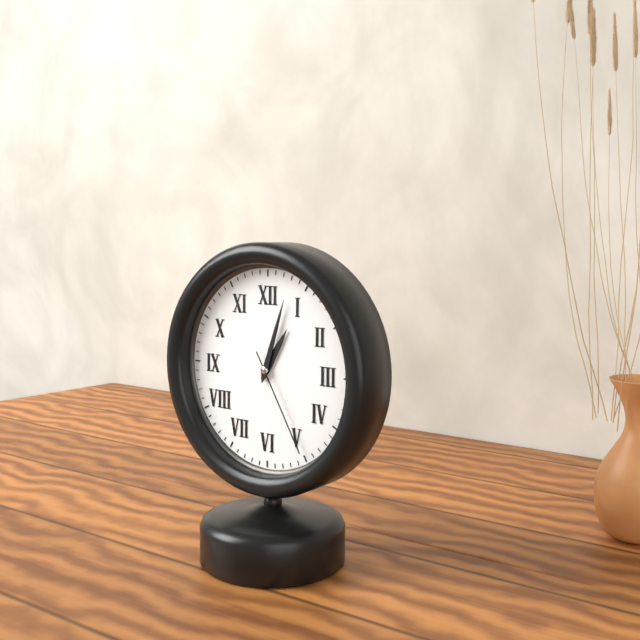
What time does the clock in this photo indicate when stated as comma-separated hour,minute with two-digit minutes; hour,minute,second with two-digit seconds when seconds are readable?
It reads 1,03,25
